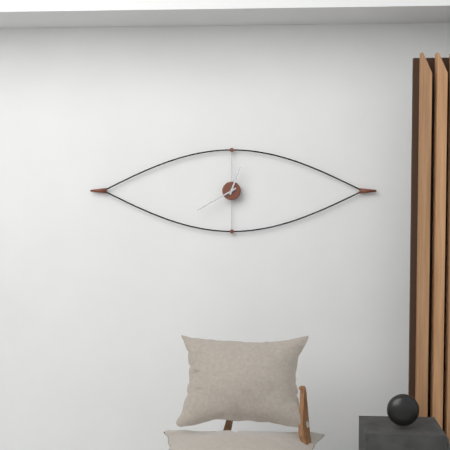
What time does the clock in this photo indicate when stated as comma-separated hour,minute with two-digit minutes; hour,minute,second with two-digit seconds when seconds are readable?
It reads 12,40
